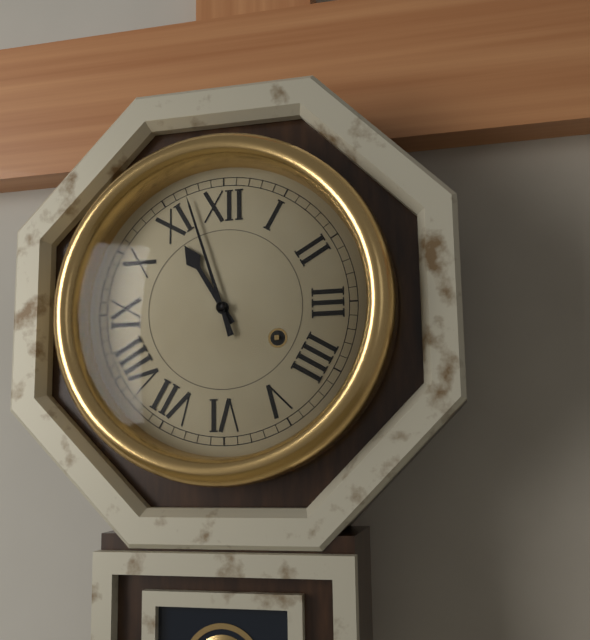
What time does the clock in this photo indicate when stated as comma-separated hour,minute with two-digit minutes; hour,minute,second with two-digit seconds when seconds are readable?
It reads 10,57
